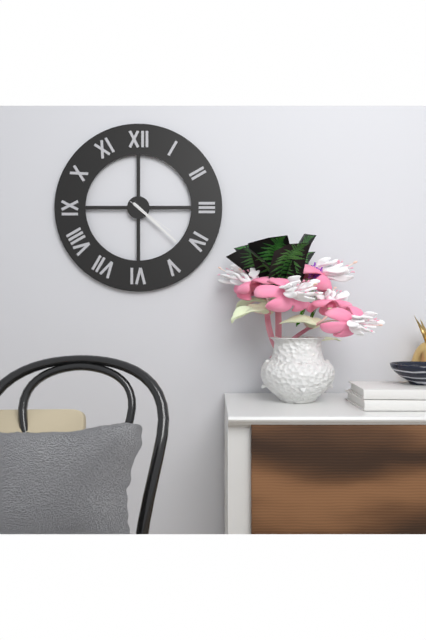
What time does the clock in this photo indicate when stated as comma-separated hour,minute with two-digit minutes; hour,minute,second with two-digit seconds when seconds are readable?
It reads 4,22,21
